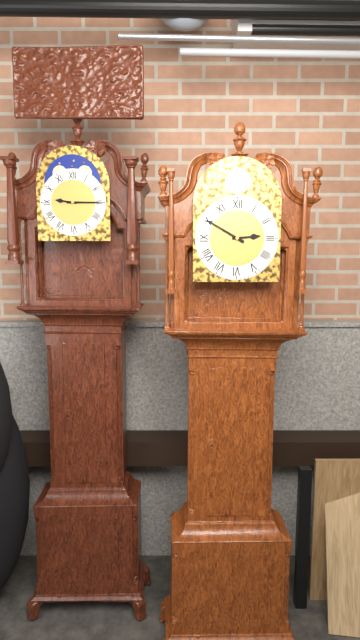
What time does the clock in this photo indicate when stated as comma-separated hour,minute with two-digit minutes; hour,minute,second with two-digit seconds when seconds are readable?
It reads 2,50
